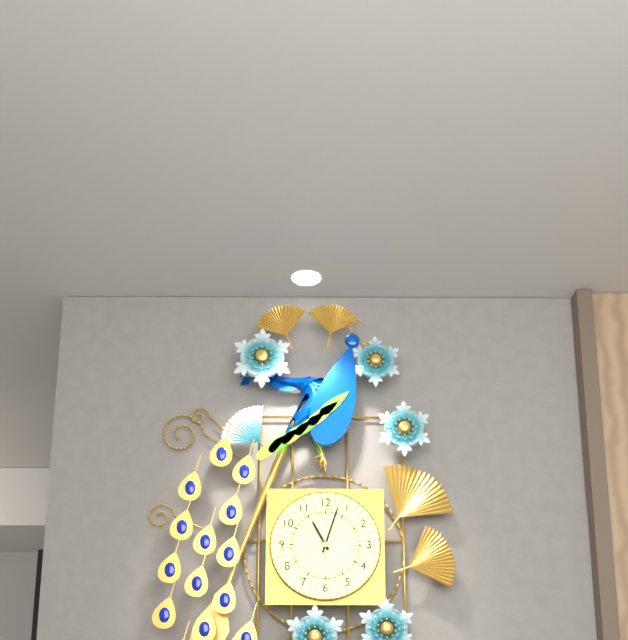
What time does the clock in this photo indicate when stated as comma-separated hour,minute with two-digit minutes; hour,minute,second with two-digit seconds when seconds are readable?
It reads 11,03
